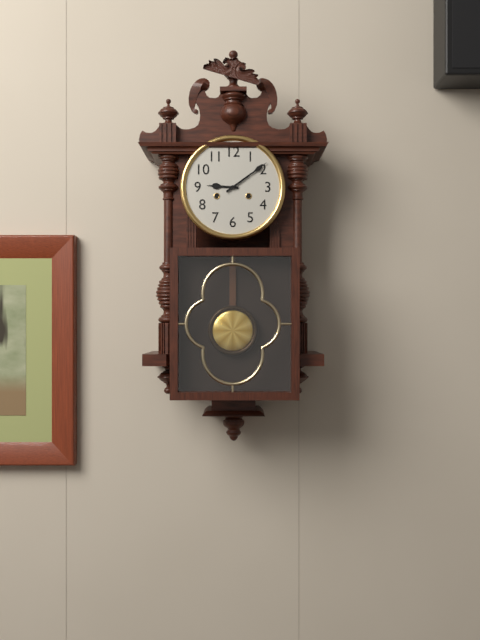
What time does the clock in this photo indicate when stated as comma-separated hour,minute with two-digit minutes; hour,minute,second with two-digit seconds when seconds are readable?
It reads 9,09
